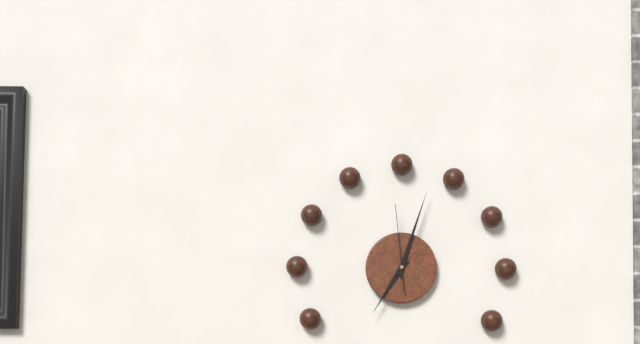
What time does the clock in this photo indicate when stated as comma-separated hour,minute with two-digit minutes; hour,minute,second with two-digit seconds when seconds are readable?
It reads 7,03,59
